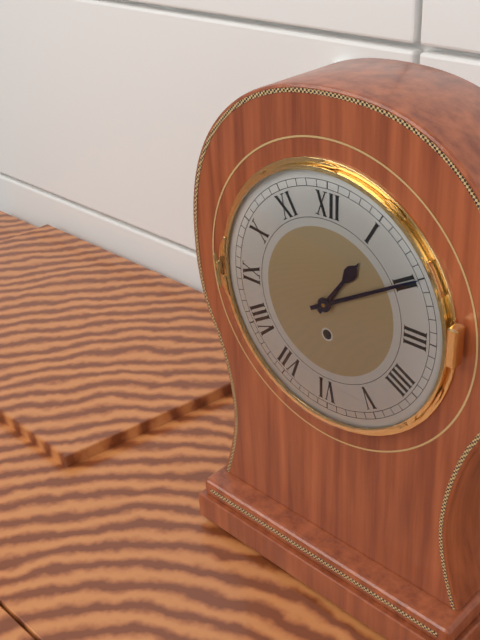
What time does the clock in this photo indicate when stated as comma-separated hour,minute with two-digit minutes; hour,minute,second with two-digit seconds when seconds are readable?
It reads 1,10
